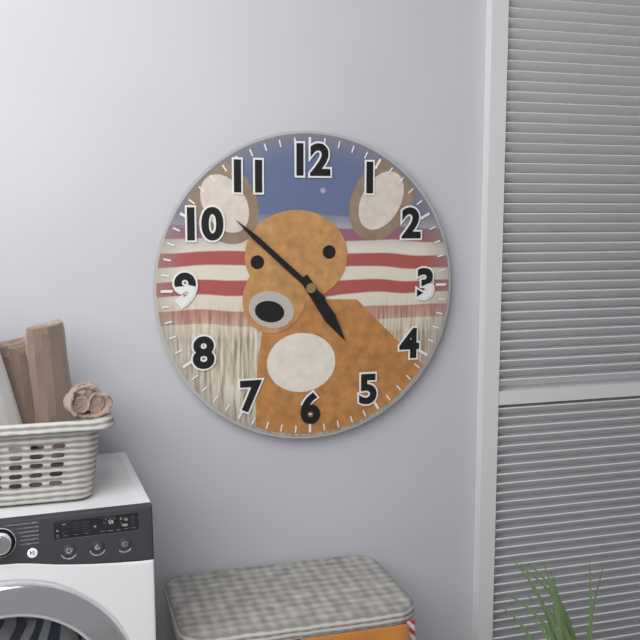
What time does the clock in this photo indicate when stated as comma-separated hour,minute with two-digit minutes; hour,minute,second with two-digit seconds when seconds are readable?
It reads 4,52
